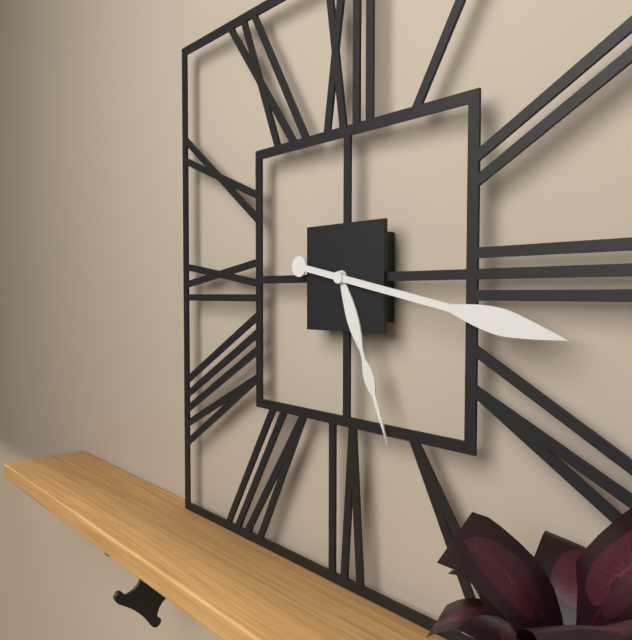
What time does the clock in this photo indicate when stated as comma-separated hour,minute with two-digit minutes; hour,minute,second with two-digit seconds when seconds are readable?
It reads 5,17
